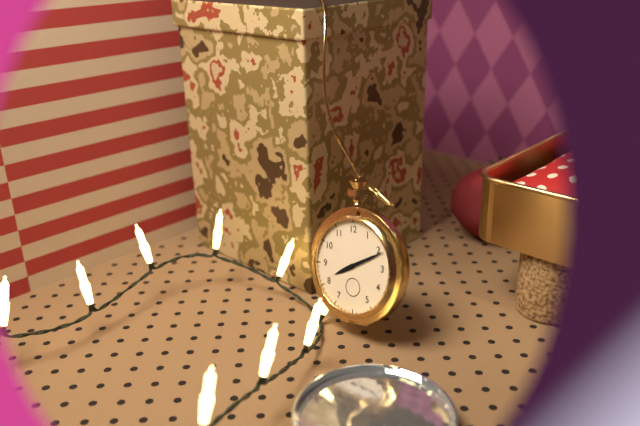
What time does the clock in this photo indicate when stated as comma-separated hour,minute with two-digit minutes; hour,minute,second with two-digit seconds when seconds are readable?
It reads 8,11
